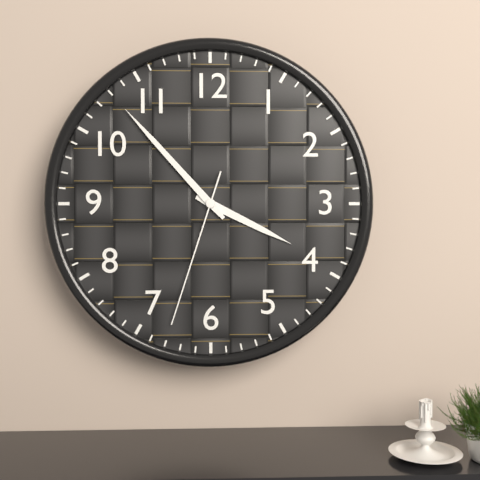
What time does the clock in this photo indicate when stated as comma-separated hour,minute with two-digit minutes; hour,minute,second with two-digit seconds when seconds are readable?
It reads 3,53,33
